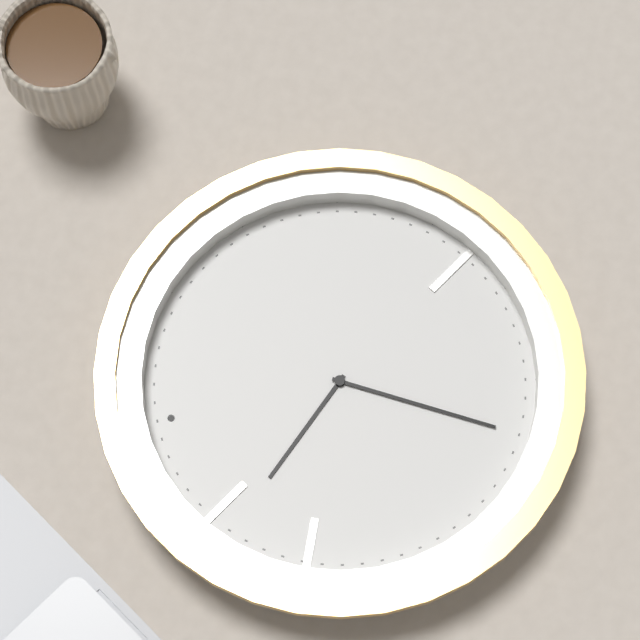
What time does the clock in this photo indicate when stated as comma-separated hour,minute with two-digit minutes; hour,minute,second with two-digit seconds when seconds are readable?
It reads 10,35
